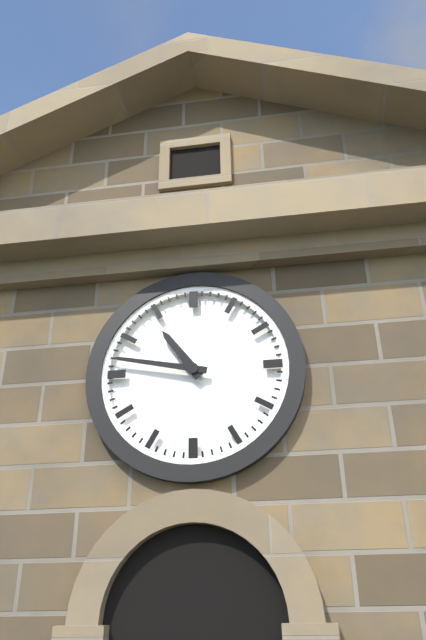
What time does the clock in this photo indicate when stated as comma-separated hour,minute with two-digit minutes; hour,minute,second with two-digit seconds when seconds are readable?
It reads 10,47
